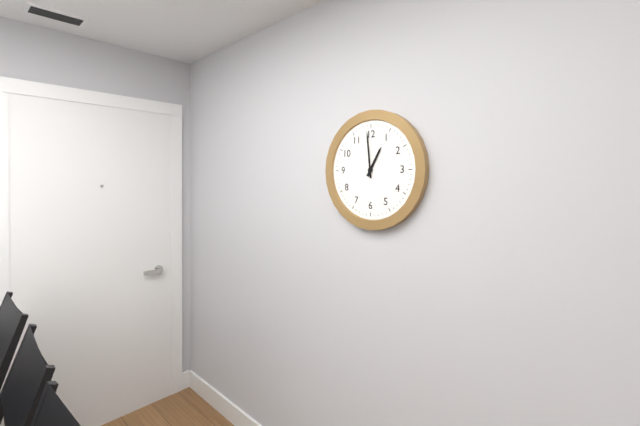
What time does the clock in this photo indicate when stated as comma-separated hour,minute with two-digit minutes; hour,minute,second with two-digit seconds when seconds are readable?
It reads 12,59
